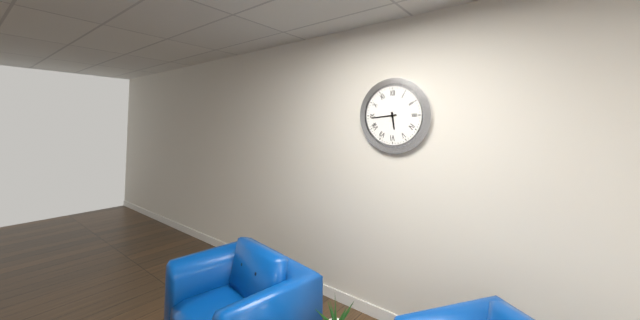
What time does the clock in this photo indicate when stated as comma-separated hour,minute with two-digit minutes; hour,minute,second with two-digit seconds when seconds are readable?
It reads 5,44
